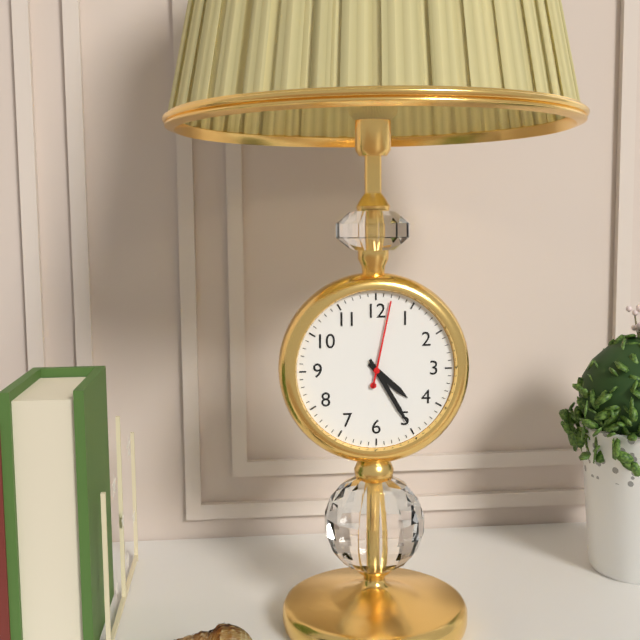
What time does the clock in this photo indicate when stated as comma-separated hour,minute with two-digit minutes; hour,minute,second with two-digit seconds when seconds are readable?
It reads 4,25,02
